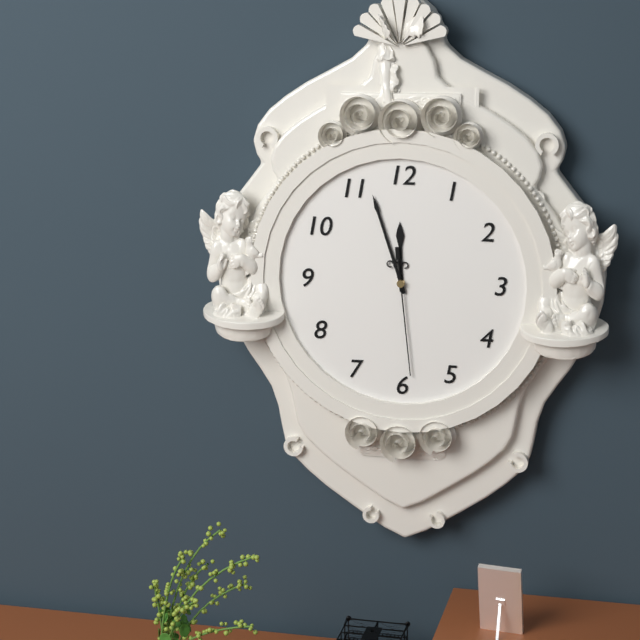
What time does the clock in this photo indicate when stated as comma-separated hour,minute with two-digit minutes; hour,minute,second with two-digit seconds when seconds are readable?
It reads 11,57,29
